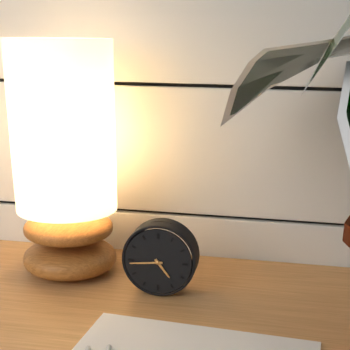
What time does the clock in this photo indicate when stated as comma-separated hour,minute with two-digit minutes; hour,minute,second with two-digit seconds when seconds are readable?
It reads 4,44
